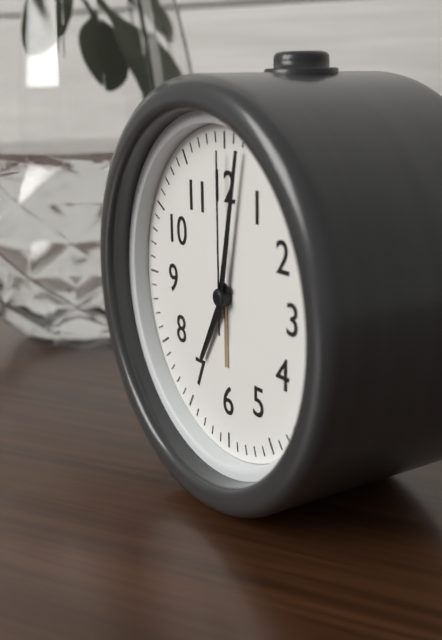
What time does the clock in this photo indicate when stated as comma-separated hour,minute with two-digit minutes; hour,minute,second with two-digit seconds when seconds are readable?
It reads 7,02,00
